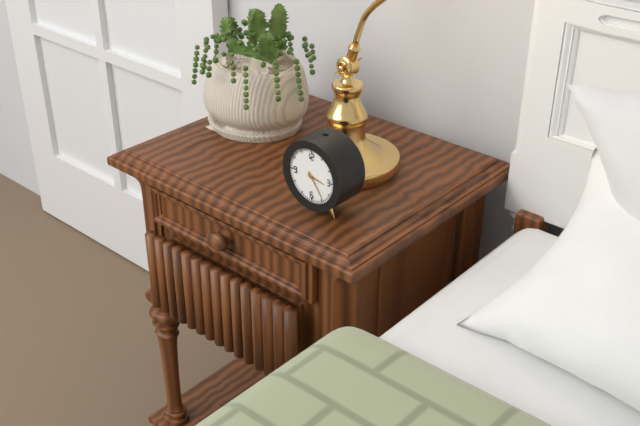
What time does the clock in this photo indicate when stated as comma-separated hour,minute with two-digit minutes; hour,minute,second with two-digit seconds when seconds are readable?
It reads 3,24
